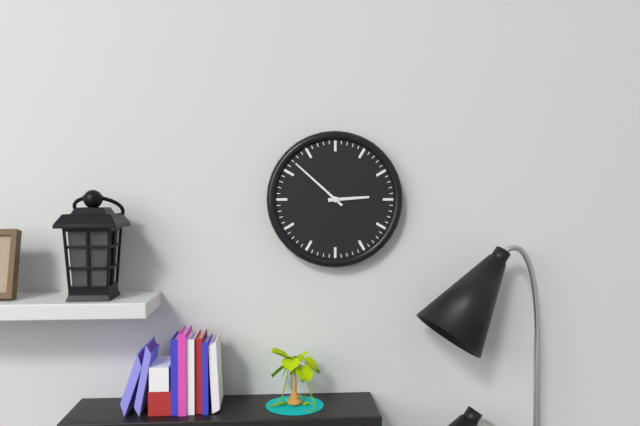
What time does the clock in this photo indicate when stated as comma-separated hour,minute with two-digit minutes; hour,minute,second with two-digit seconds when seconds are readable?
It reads 2,52
